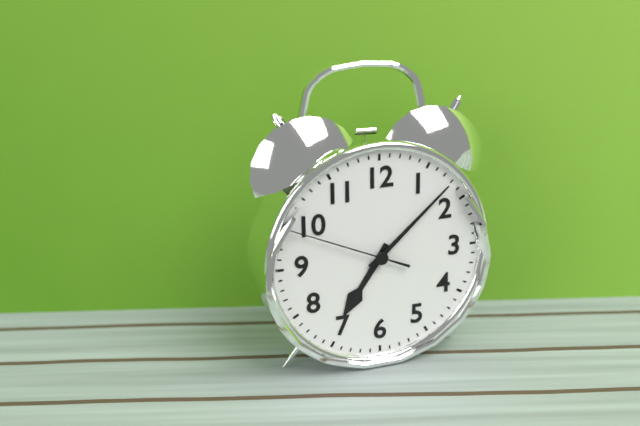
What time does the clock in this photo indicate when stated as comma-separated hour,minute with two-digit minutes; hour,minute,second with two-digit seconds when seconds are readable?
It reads 7,08,49
